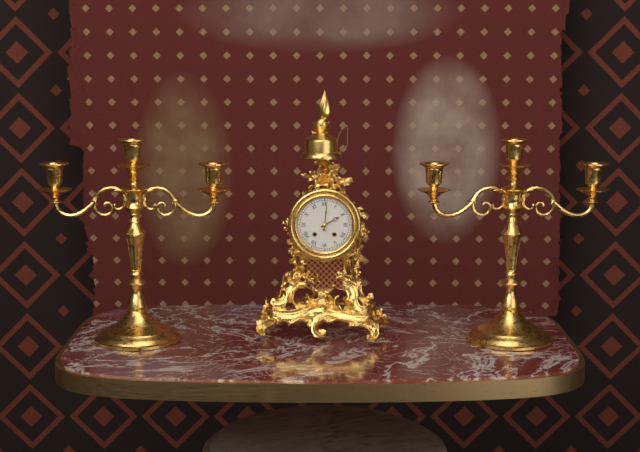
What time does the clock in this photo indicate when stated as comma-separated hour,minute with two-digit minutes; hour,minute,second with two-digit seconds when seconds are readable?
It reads 2,01
